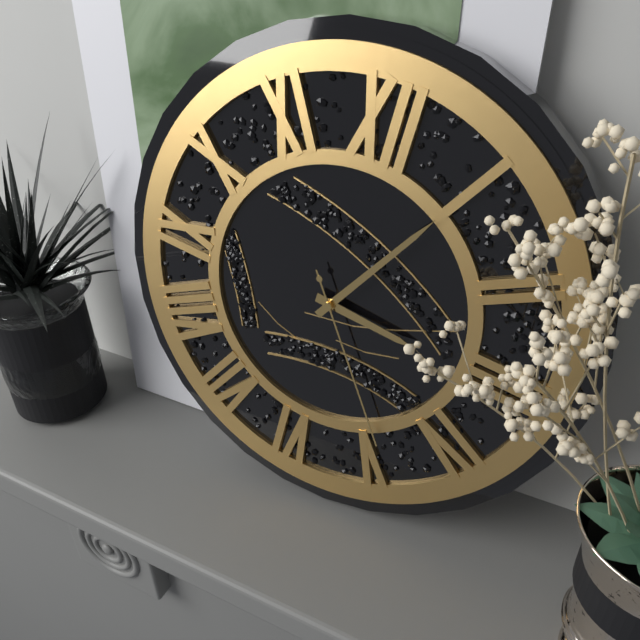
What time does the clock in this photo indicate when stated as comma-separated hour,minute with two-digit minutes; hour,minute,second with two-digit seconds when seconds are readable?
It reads 3,05,24
